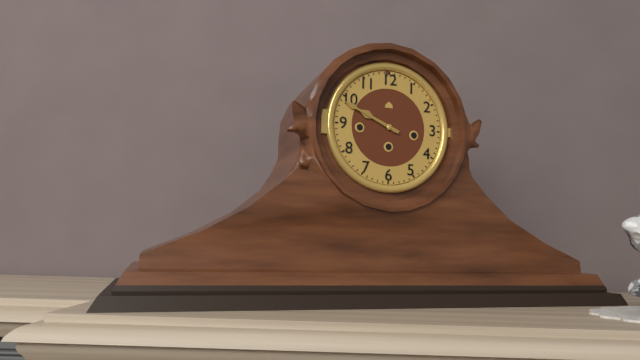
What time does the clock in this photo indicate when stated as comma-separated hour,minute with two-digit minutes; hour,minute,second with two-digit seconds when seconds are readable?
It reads 9,49
